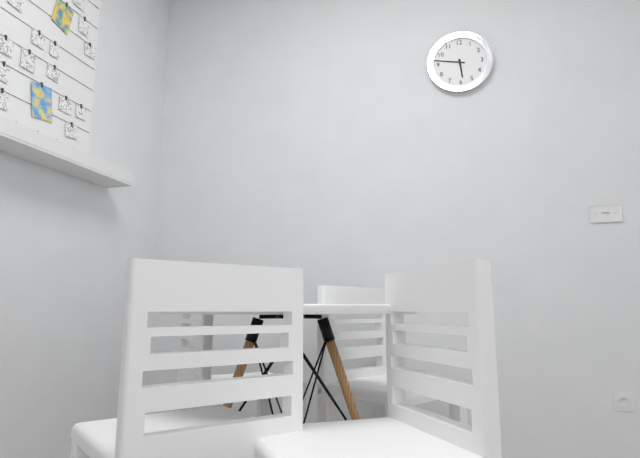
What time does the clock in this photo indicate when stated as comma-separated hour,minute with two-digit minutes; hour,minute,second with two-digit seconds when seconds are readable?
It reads 5,47
